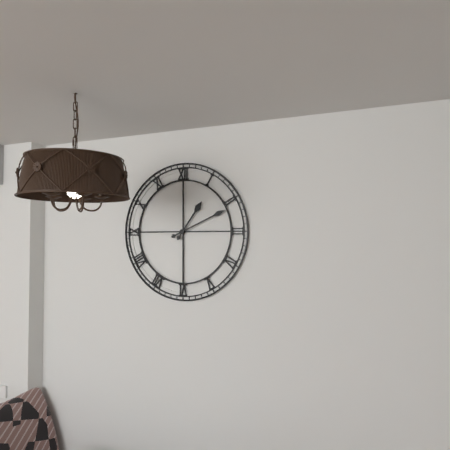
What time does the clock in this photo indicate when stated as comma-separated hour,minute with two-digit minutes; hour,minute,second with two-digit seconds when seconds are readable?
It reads 1,11
